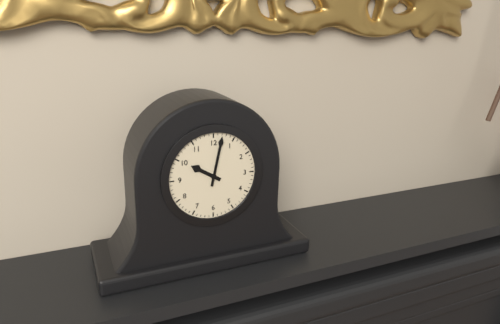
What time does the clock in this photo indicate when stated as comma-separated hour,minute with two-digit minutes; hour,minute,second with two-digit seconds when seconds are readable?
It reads 10,02
